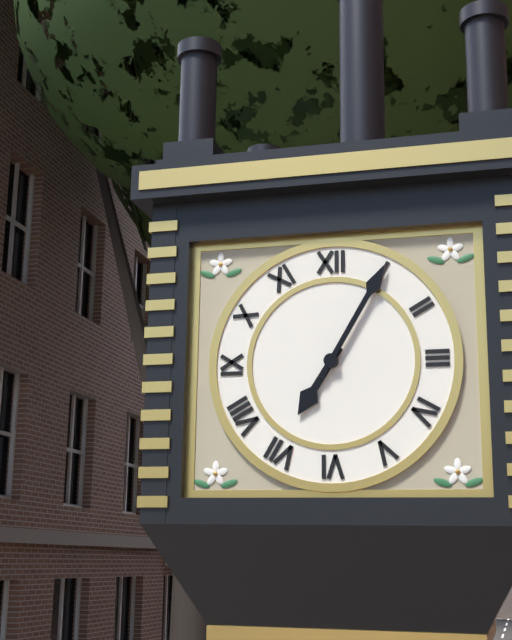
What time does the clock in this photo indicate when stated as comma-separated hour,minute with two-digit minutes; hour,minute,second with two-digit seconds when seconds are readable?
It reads 7,05
